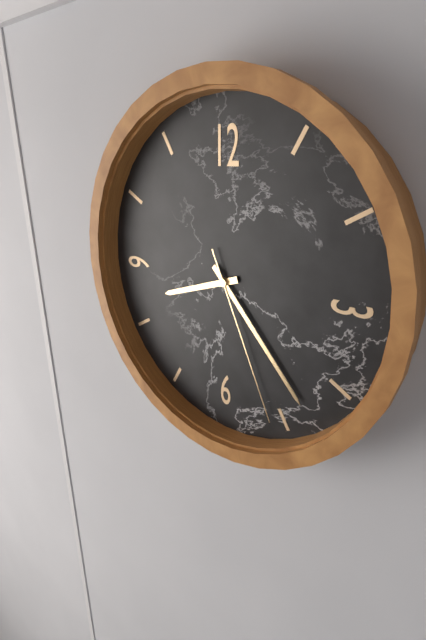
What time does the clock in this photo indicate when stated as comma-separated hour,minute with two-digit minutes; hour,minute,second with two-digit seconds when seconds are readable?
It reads 8,23,26
